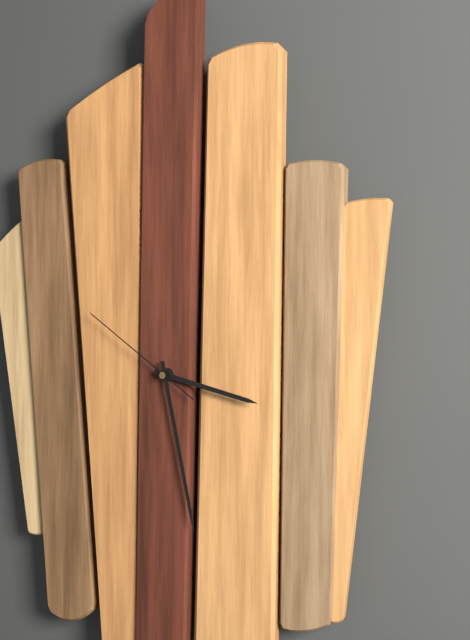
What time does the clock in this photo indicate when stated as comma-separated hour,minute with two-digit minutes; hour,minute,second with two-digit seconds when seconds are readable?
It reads 3,28,51
